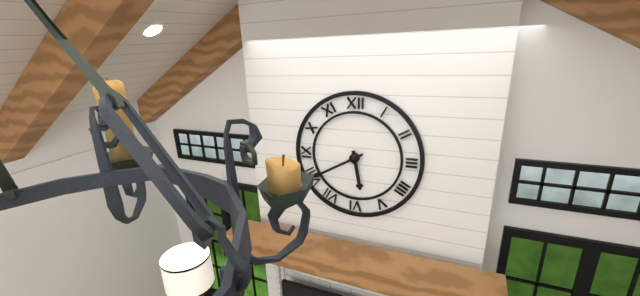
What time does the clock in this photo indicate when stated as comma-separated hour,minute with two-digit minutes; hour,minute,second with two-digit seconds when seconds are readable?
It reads 5,40
